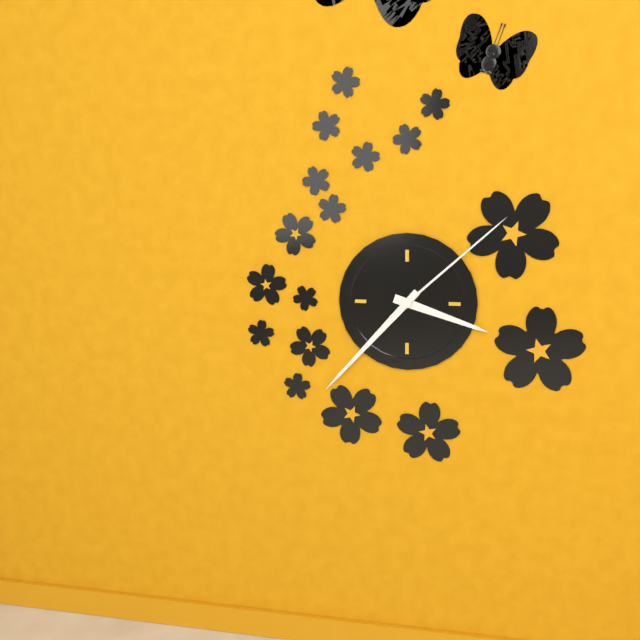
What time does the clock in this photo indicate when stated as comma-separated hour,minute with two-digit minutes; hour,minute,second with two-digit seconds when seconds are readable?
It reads 3,37,08
